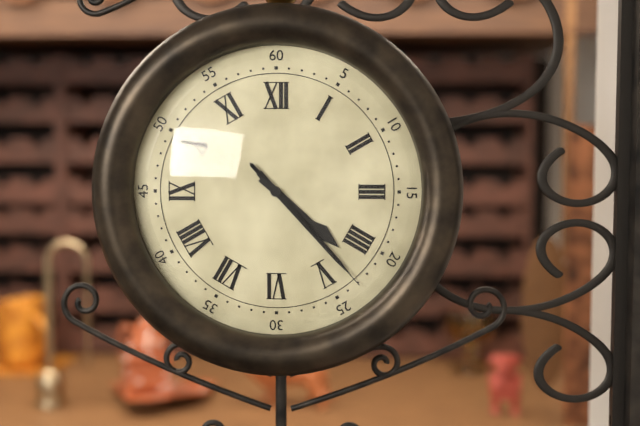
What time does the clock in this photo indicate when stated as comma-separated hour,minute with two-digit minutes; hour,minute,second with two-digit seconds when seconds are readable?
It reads 4,23,23
